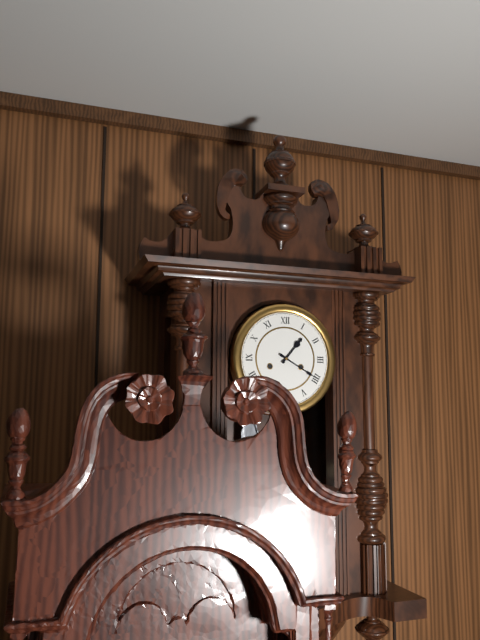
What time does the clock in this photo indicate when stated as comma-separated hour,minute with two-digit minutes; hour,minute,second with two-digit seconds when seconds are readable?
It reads 1,20
